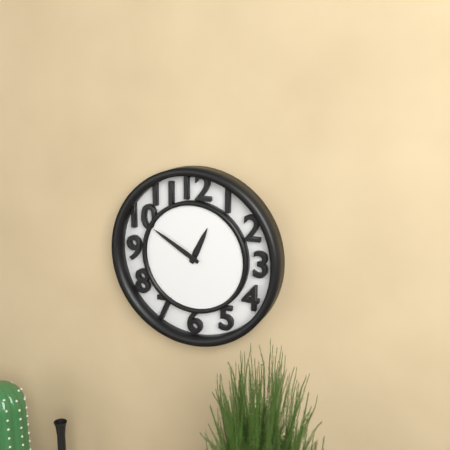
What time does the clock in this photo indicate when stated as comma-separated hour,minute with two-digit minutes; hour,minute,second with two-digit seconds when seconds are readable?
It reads 12,50
